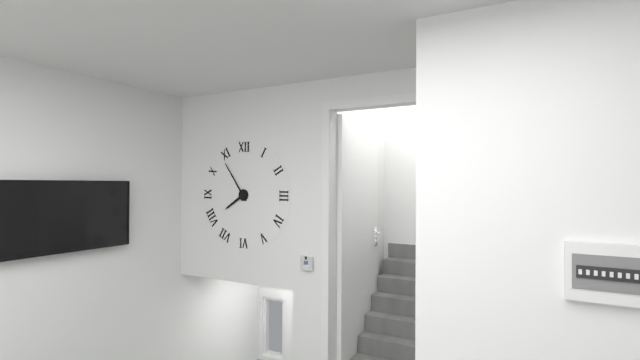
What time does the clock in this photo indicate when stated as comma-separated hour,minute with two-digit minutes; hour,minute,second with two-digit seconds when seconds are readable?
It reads 7,54
